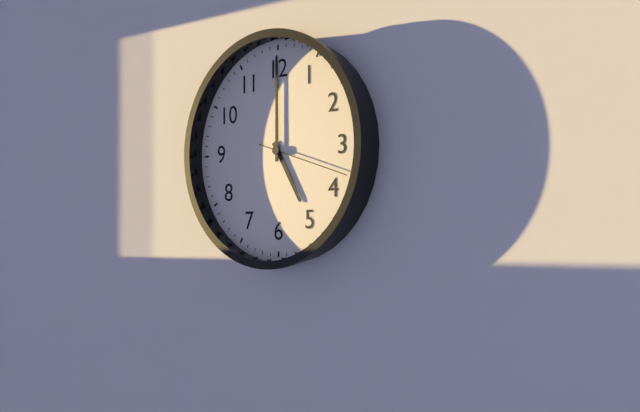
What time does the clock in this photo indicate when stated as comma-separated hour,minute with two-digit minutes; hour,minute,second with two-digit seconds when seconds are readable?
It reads 5,00,18
